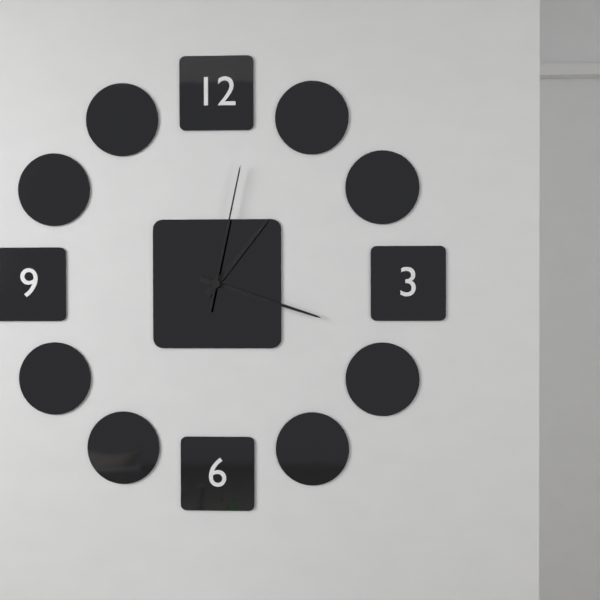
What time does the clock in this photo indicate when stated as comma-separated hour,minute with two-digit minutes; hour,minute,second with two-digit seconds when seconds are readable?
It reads 1,18,02
